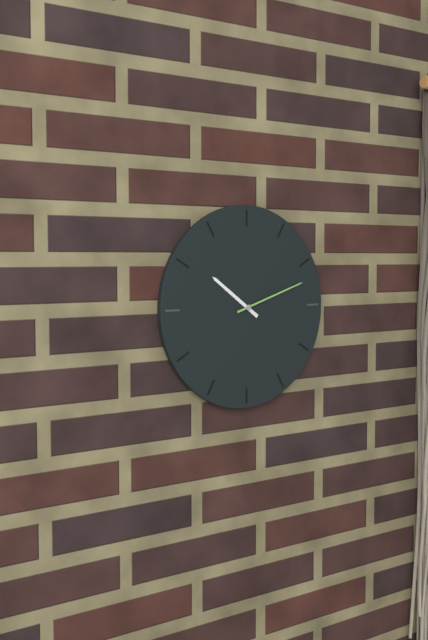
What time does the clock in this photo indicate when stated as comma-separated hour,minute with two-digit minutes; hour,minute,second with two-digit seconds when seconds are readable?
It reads 10,12
